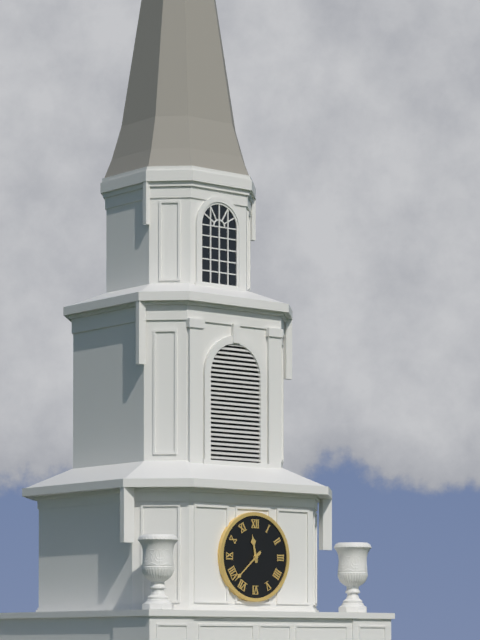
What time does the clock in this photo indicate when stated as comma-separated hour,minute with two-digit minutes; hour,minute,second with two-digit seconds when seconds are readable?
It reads 11,38
